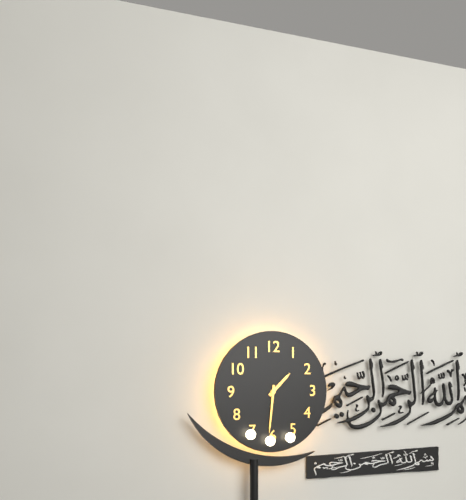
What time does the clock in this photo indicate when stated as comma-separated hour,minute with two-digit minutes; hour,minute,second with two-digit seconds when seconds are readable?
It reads 1,31
